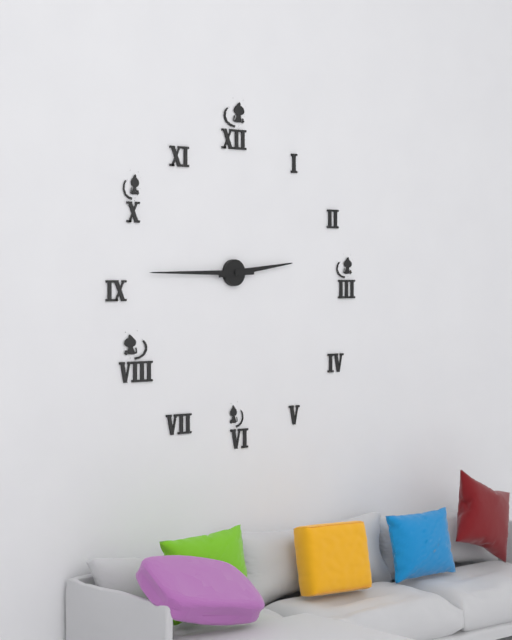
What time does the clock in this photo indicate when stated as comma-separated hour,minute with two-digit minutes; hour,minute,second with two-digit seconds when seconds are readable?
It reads 2,45
